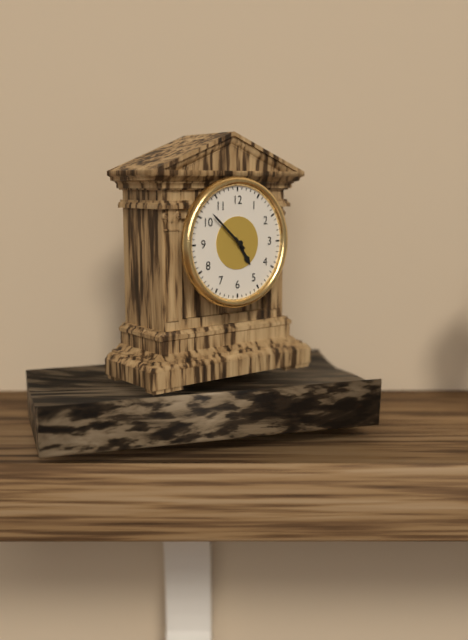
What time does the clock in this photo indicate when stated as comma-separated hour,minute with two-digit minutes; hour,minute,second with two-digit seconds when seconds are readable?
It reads 4,52
